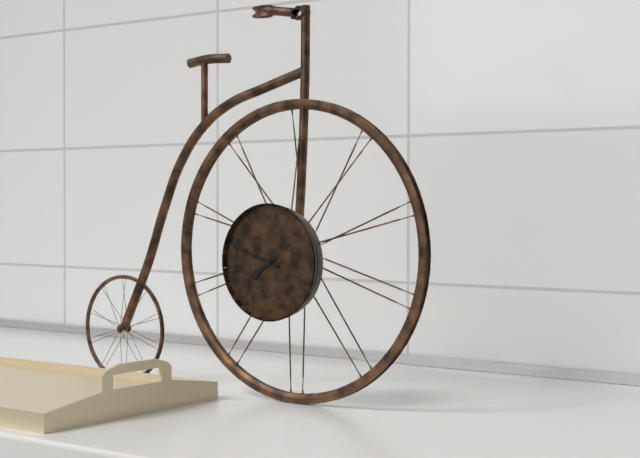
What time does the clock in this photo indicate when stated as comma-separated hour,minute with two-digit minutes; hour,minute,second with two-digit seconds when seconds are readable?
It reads 7,48
